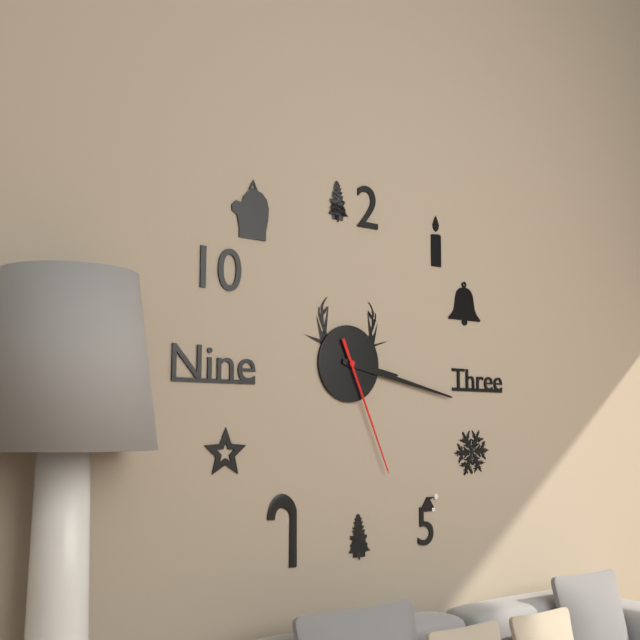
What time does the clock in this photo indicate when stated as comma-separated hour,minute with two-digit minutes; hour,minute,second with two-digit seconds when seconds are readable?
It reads 3,17,26
